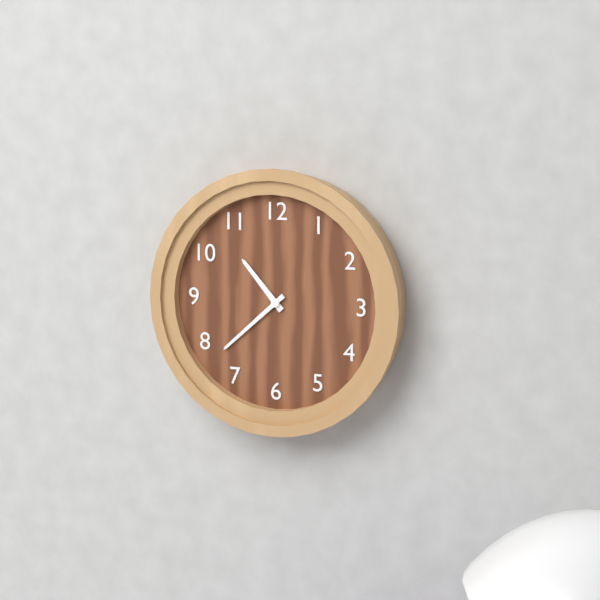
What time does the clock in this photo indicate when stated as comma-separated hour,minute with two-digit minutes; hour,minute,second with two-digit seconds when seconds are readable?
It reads 10,38
